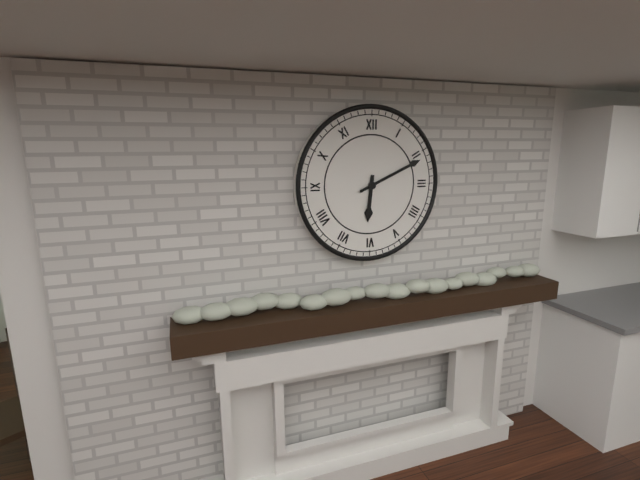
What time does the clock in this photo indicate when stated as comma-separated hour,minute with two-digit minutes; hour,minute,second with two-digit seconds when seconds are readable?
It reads 6,11
